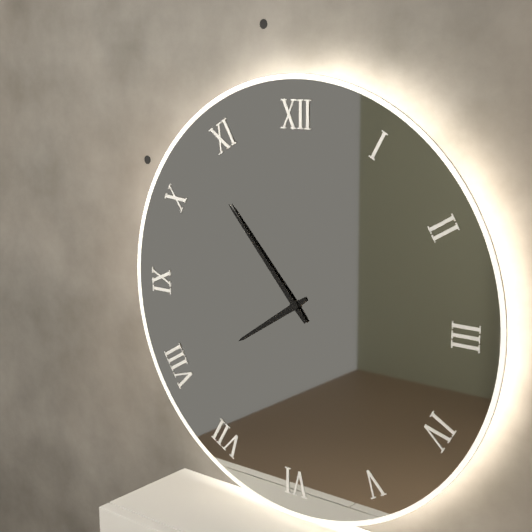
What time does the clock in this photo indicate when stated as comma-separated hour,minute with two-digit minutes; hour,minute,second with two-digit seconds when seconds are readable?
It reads 7,53
